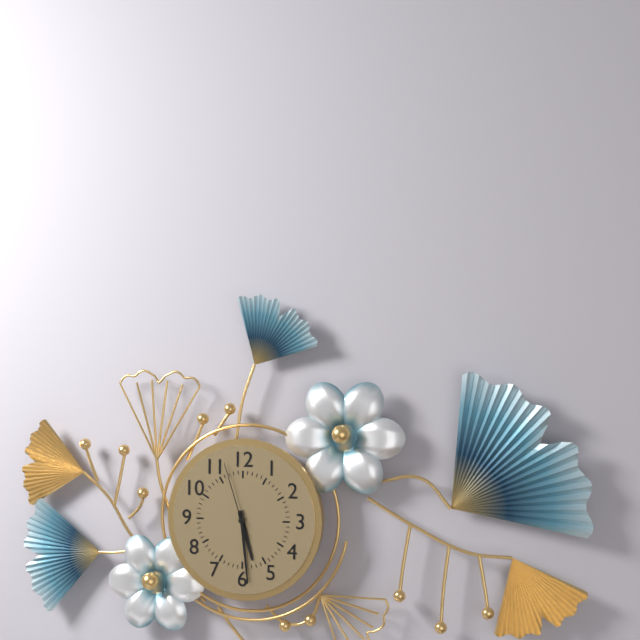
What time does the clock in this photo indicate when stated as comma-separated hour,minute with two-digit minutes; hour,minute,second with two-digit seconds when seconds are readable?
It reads 5,29,57
